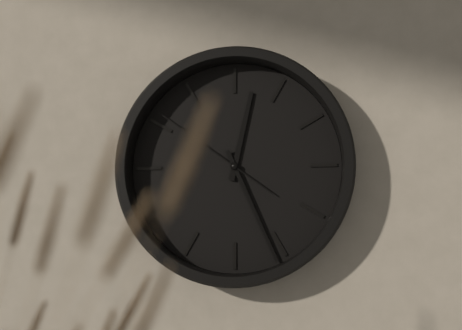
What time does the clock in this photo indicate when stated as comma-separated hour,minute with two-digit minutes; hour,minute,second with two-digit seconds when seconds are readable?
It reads 12,26,51
